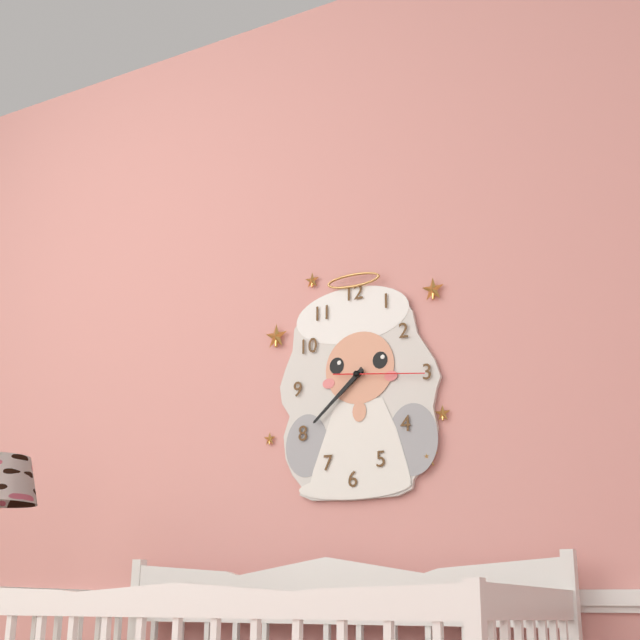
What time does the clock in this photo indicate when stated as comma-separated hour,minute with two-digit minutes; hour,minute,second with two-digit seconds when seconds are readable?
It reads 7,38,16
